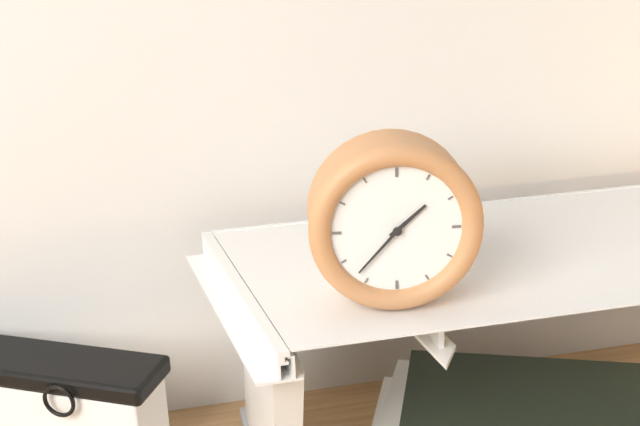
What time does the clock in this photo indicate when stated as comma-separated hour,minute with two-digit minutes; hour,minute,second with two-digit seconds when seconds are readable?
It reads 1,37
